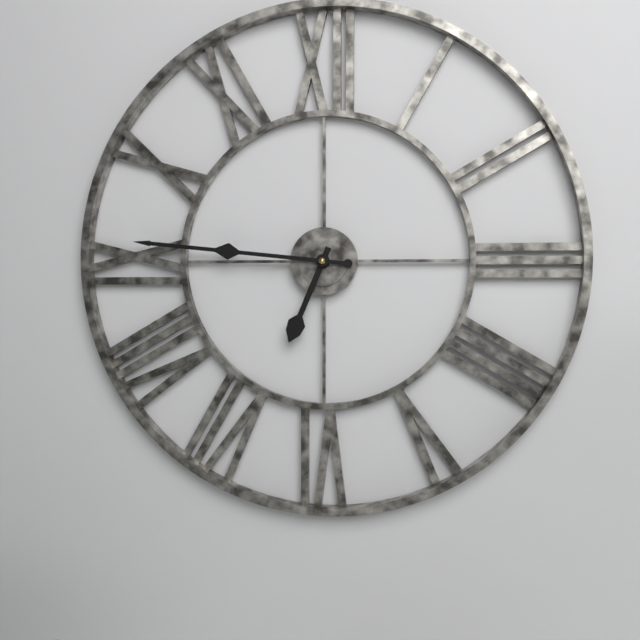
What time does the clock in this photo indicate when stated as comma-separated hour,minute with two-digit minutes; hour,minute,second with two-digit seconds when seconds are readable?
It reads 6,46
